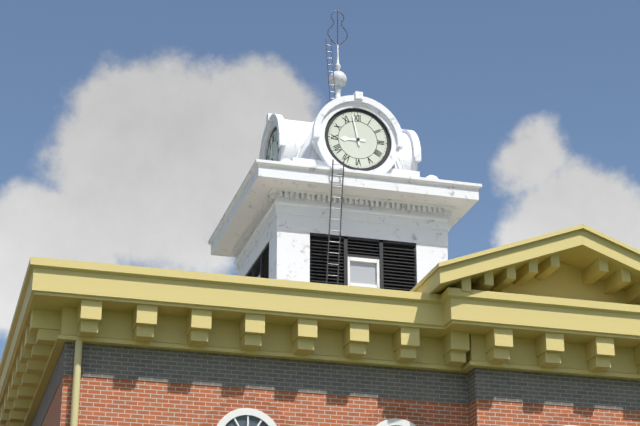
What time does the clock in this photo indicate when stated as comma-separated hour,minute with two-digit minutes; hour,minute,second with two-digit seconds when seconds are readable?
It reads 8,58
